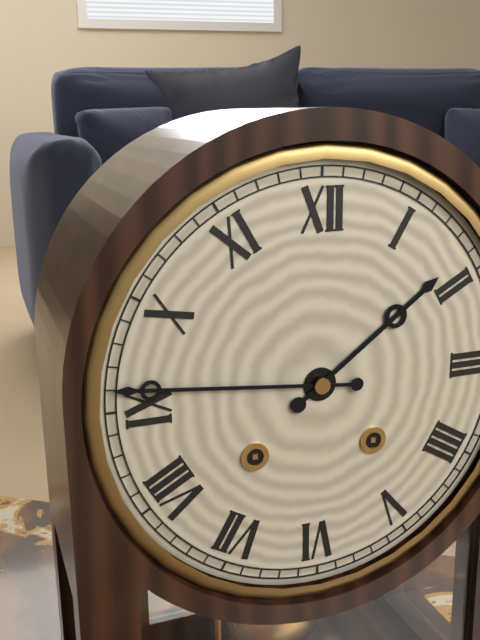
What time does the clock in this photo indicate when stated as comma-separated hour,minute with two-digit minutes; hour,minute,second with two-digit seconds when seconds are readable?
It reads 1,46
